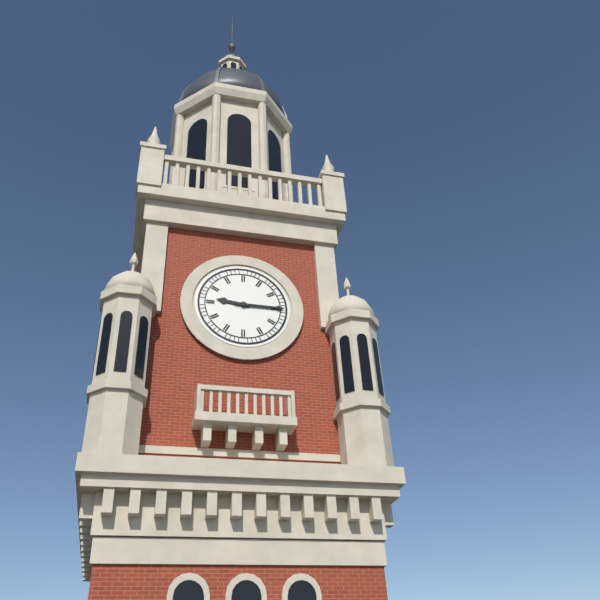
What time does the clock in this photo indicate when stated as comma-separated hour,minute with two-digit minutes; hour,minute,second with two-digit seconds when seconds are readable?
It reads 9,15
